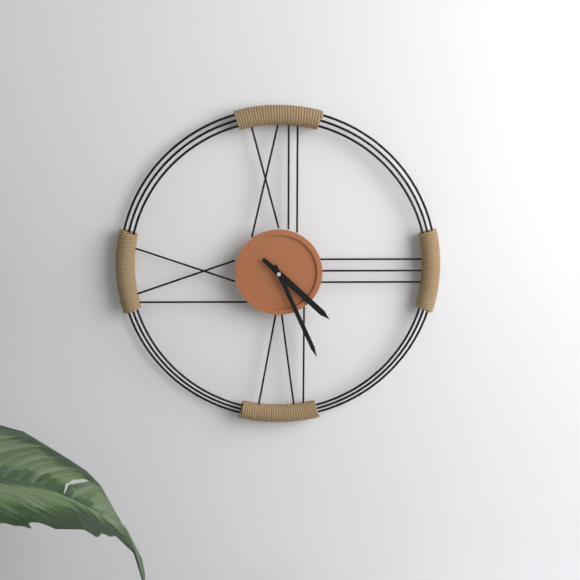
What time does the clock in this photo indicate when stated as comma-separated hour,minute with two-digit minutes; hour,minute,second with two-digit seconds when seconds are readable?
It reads 4,26
